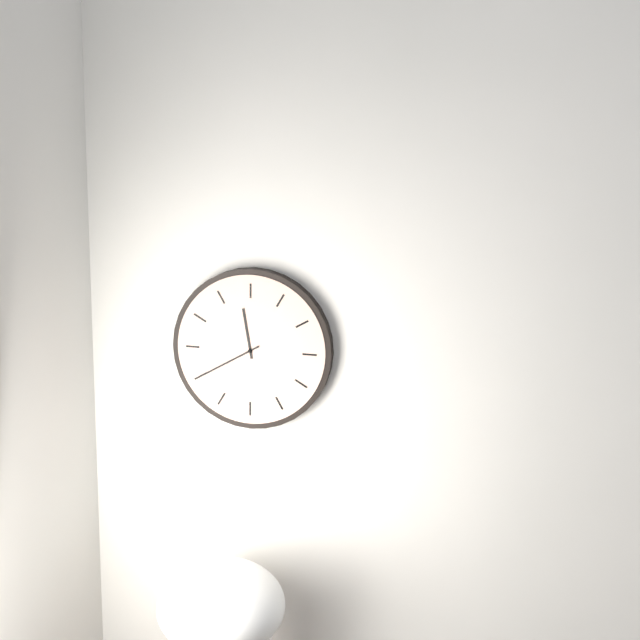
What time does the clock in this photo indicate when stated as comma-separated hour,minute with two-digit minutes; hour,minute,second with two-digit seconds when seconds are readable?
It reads 11,40
